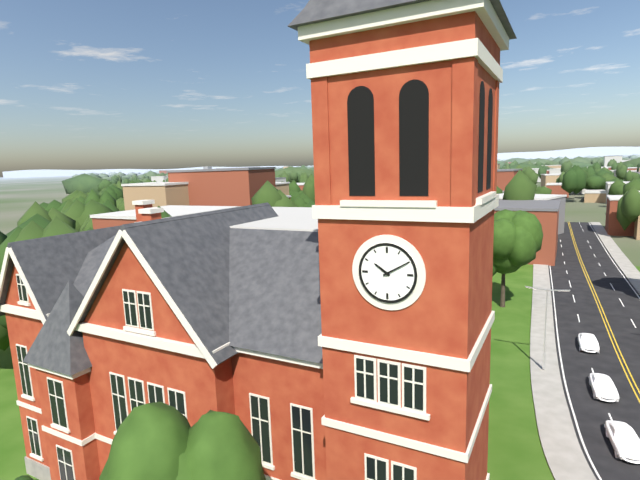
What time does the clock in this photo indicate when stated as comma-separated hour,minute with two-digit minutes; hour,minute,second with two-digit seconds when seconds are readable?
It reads 10,10
